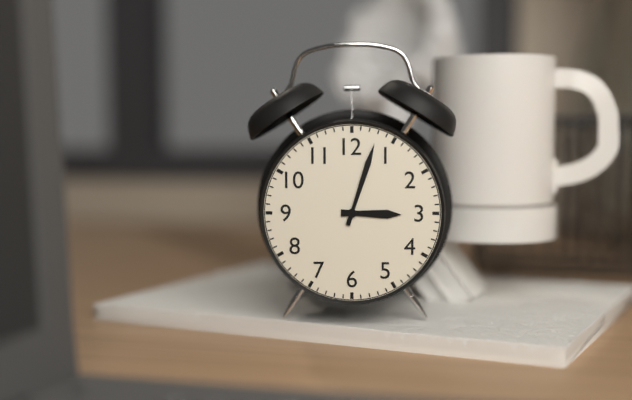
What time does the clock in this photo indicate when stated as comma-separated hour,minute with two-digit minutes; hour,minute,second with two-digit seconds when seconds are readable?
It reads 3,03
